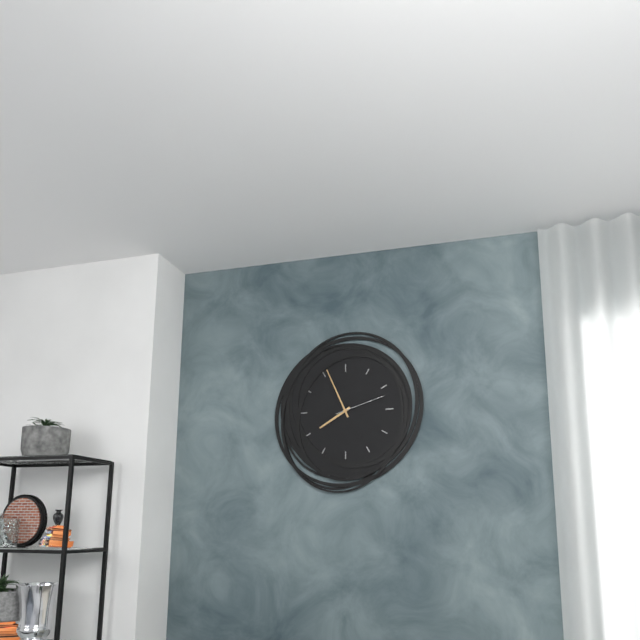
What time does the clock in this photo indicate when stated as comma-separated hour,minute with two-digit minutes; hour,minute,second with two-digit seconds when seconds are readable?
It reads 7,56,12
